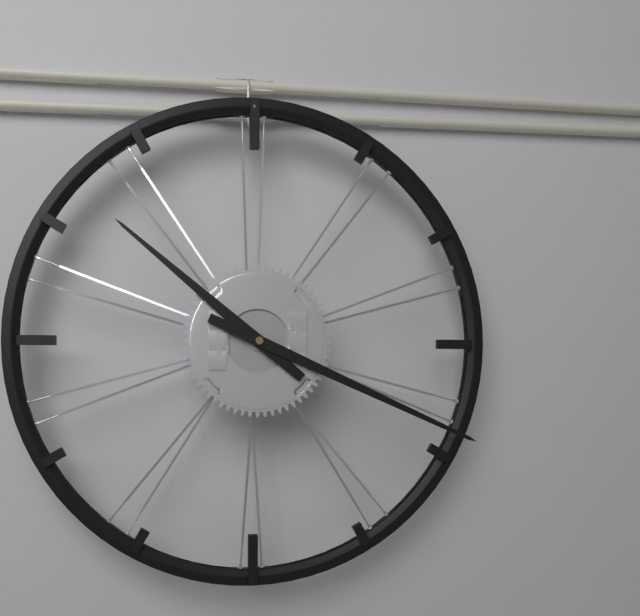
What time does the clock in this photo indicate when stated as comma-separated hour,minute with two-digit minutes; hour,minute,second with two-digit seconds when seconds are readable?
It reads 10,19
